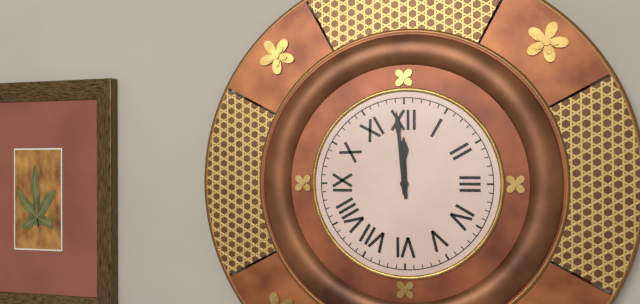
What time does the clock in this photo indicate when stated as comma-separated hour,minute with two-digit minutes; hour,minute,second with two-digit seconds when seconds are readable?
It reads 11,59
